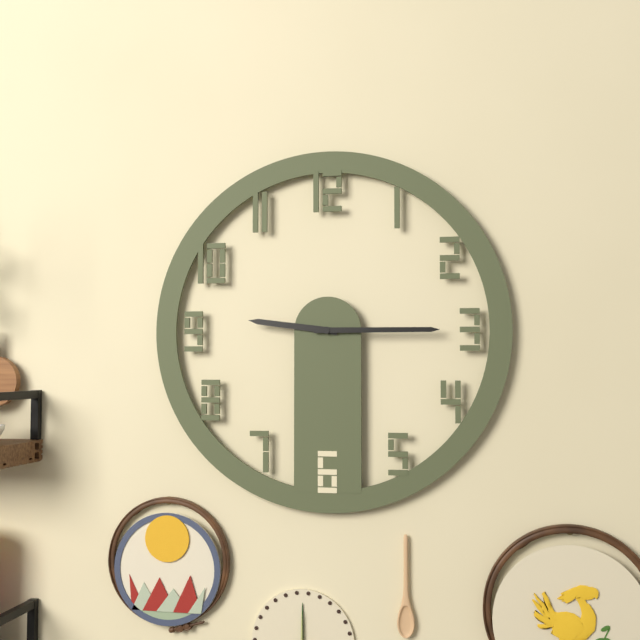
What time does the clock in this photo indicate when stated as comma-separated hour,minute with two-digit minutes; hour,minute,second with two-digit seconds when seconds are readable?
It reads 9,15
